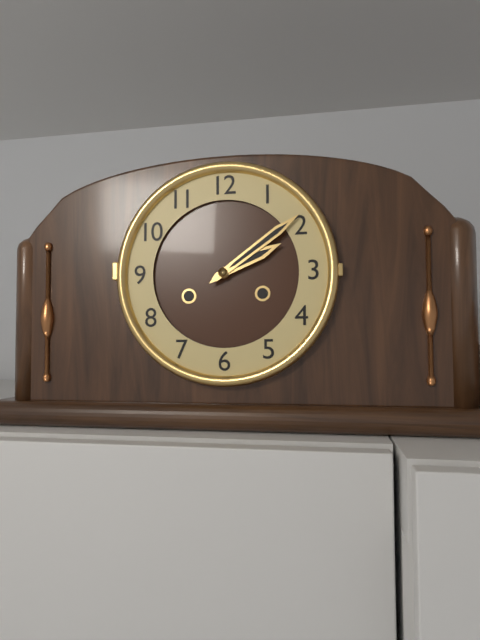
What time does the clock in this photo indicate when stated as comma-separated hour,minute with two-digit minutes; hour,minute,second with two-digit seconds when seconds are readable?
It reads 2,09
